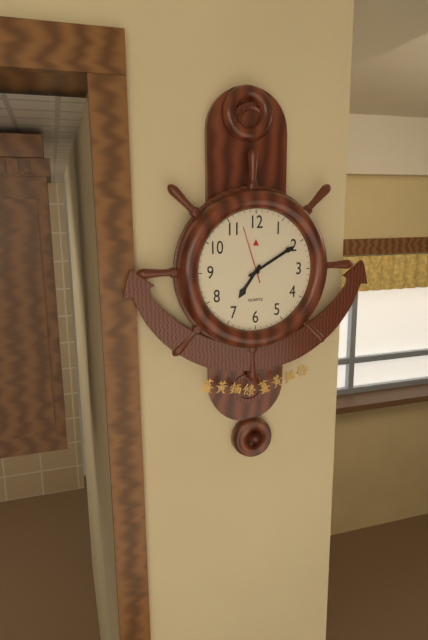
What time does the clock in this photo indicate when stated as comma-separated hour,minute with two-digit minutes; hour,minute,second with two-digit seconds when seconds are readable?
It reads 7,10,57
